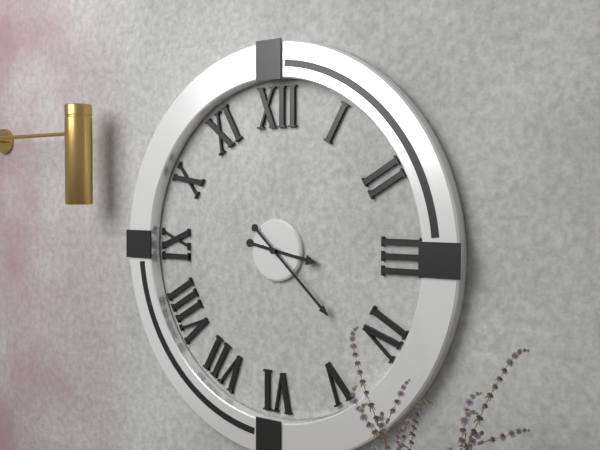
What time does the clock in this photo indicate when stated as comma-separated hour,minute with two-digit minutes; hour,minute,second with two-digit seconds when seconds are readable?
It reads 3,22
